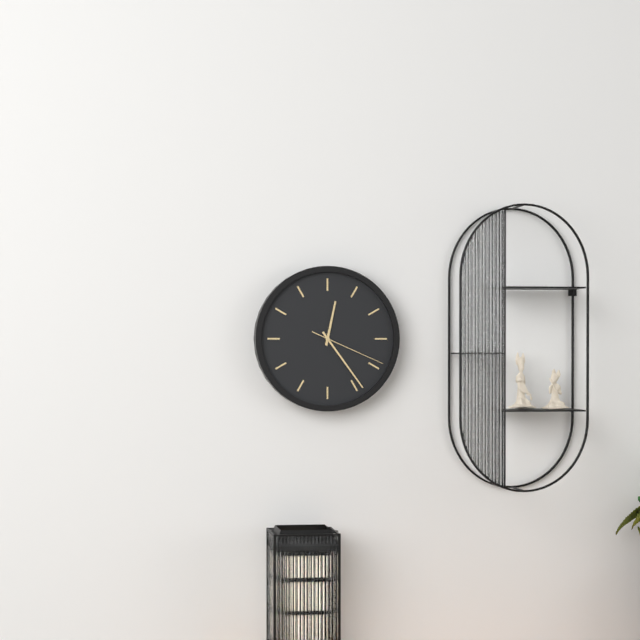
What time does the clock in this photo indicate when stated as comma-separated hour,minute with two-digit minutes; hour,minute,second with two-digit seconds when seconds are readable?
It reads 12,24,19
